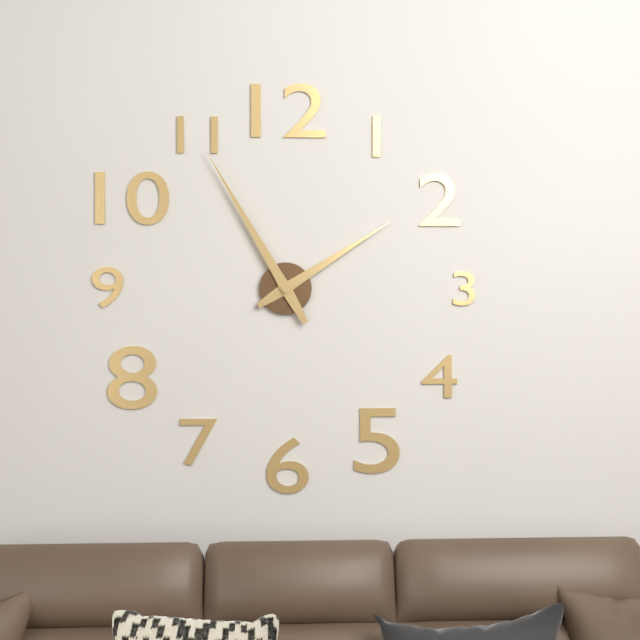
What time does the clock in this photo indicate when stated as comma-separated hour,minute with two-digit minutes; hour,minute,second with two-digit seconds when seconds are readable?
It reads 1,55
